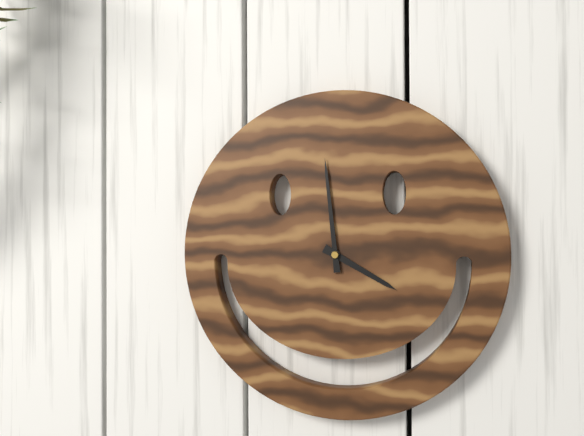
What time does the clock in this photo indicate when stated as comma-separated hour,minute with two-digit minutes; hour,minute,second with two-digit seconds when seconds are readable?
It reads 3,59
